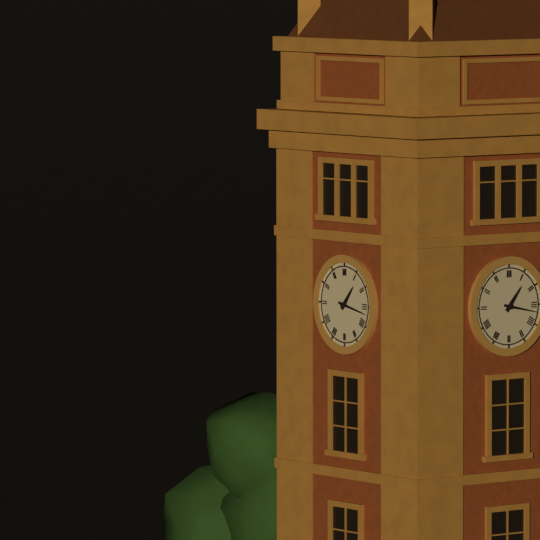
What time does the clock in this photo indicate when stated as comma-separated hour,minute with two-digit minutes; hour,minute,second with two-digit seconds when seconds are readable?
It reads 1,17
